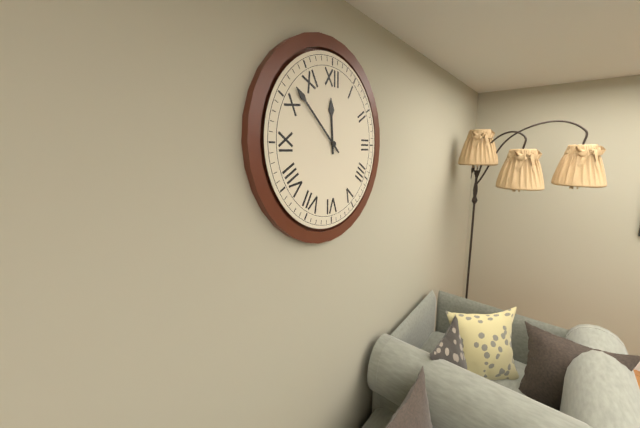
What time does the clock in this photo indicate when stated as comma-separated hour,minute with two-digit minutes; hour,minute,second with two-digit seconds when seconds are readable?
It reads 11,52
